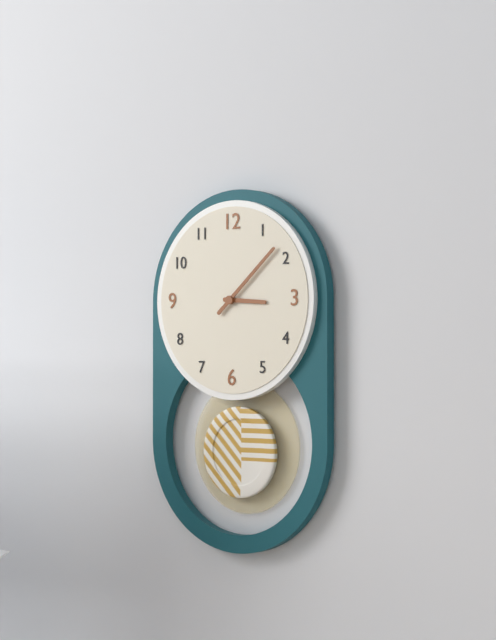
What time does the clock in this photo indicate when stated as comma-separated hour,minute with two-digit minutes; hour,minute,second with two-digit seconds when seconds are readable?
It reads 3,08
